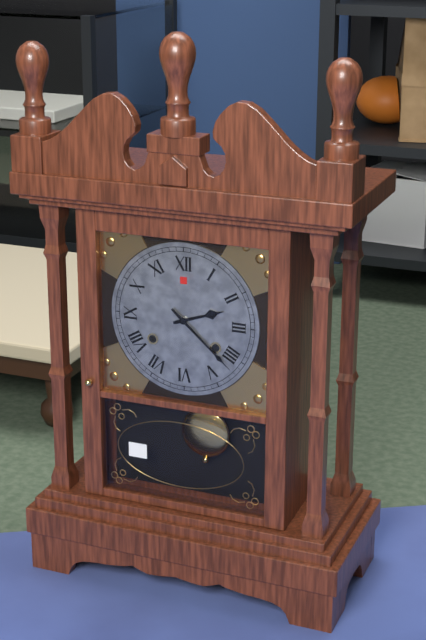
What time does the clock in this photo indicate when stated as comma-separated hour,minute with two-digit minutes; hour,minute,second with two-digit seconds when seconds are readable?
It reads 2,22
